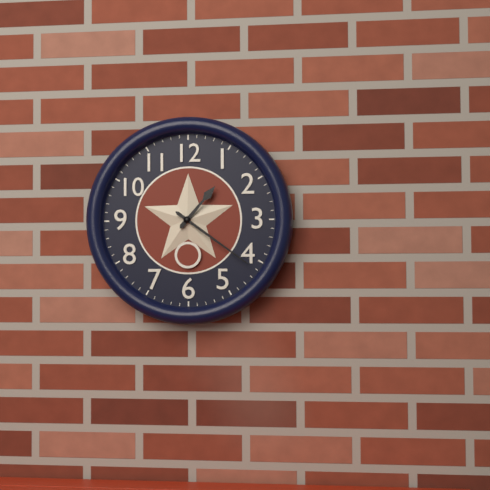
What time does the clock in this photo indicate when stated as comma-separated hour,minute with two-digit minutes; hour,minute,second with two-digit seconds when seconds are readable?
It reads 1,21
